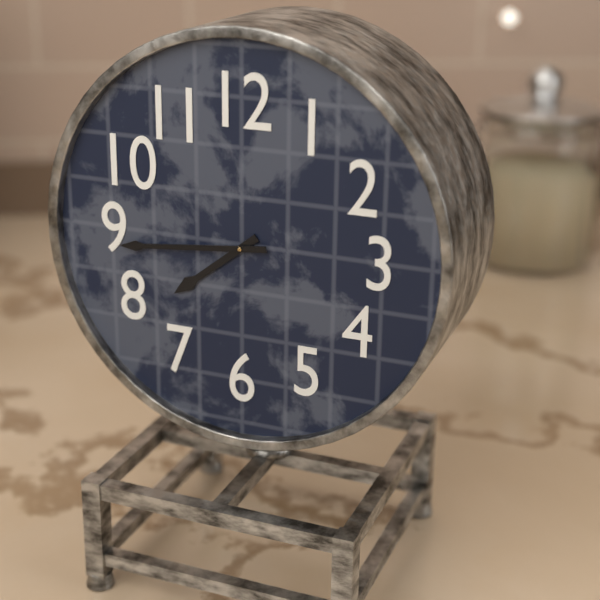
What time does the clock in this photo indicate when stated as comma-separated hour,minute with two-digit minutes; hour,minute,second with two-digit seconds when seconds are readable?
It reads 7,44
